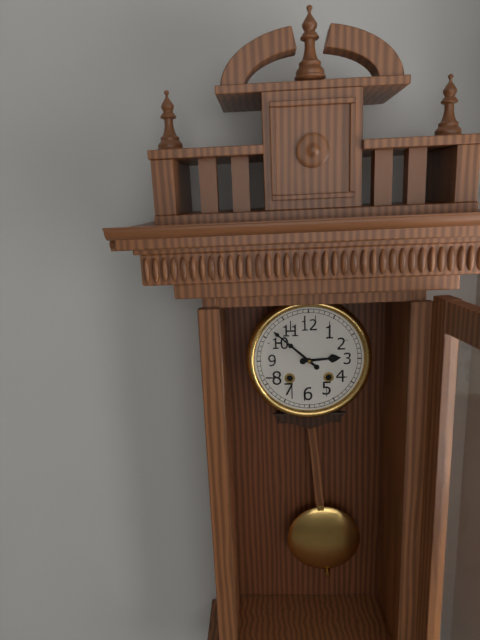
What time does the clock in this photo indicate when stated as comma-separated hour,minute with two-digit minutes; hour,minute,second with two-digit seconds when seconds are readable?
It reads 2,52
